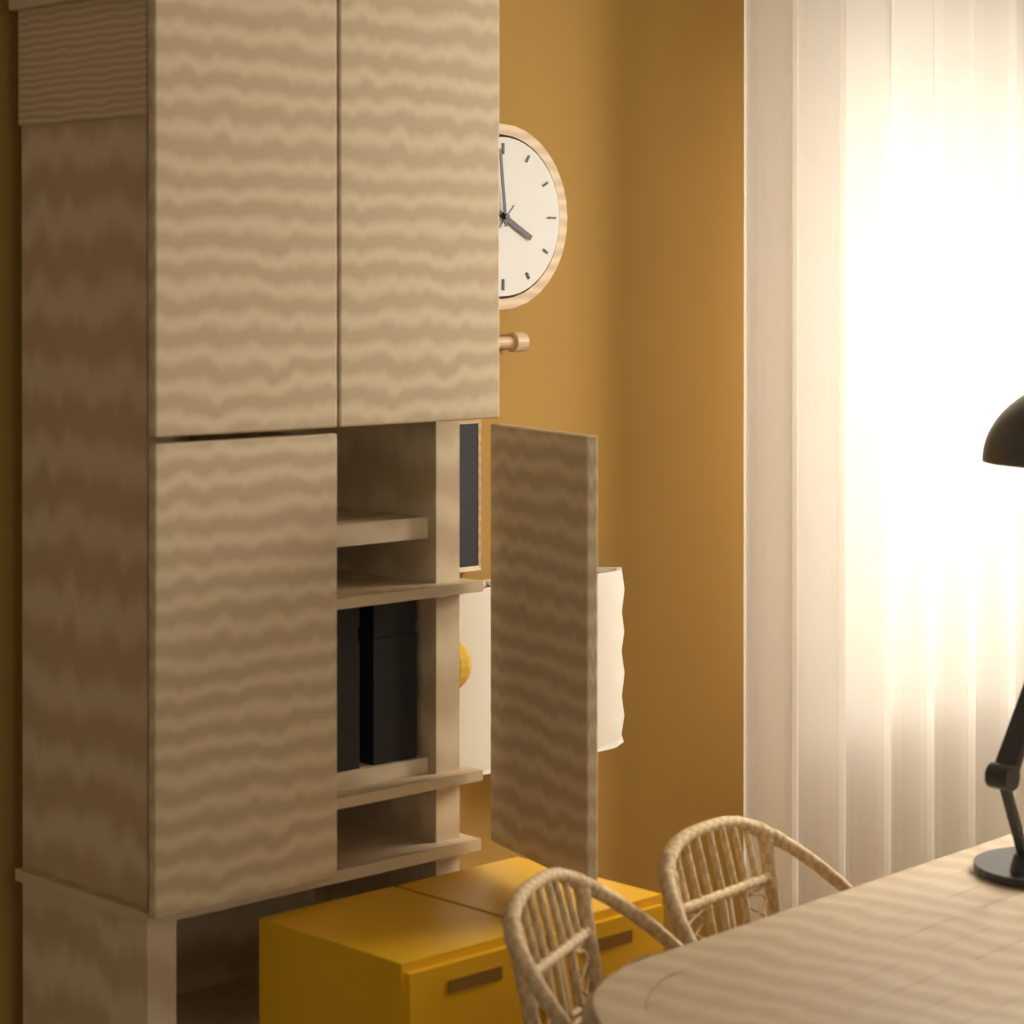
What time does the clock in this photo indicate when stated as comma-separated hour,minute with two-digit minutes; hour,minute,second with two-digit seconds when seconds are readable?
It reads 3,59
